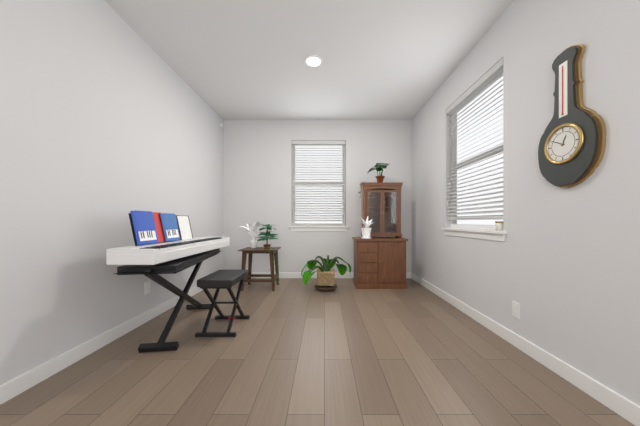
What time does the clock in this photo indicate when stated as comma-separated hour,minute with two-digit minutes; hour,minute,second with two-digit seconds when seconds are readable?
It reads 12,50
